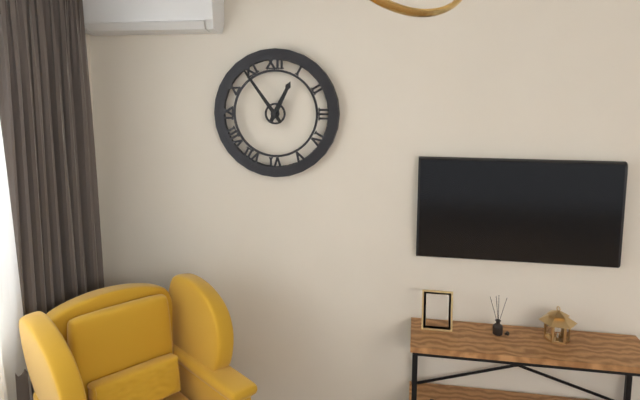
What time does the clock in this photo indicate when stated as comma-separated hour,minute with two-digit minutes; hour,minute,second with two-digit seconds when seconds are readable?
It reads 12,54
